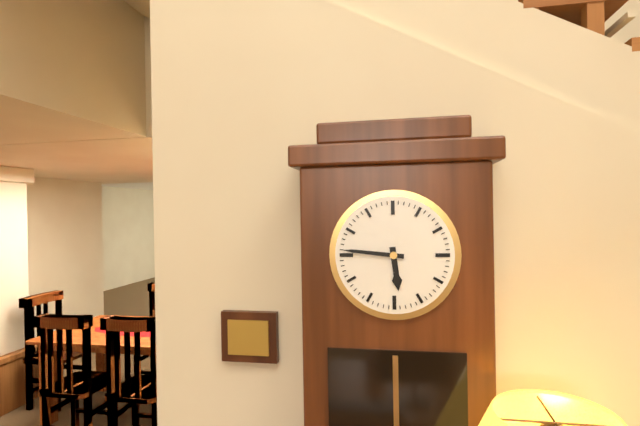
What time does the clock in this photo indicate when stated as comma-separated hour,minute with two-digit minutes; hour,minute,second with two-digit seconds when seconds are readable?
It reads 5,46
